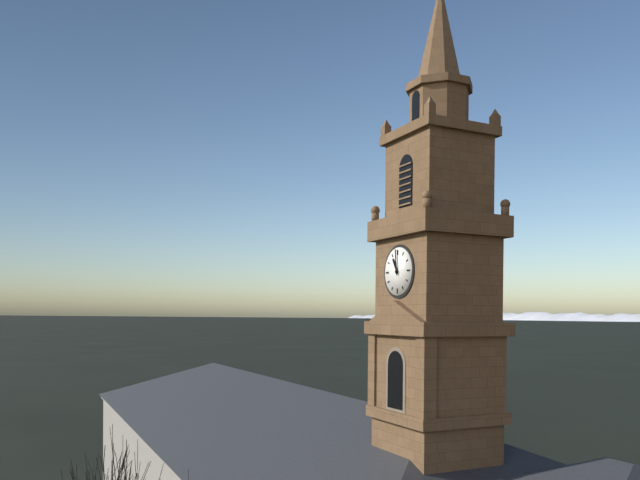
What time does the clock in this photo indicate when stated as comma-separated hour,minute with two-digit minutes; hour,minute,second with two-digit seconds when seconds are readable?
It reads 10,59
